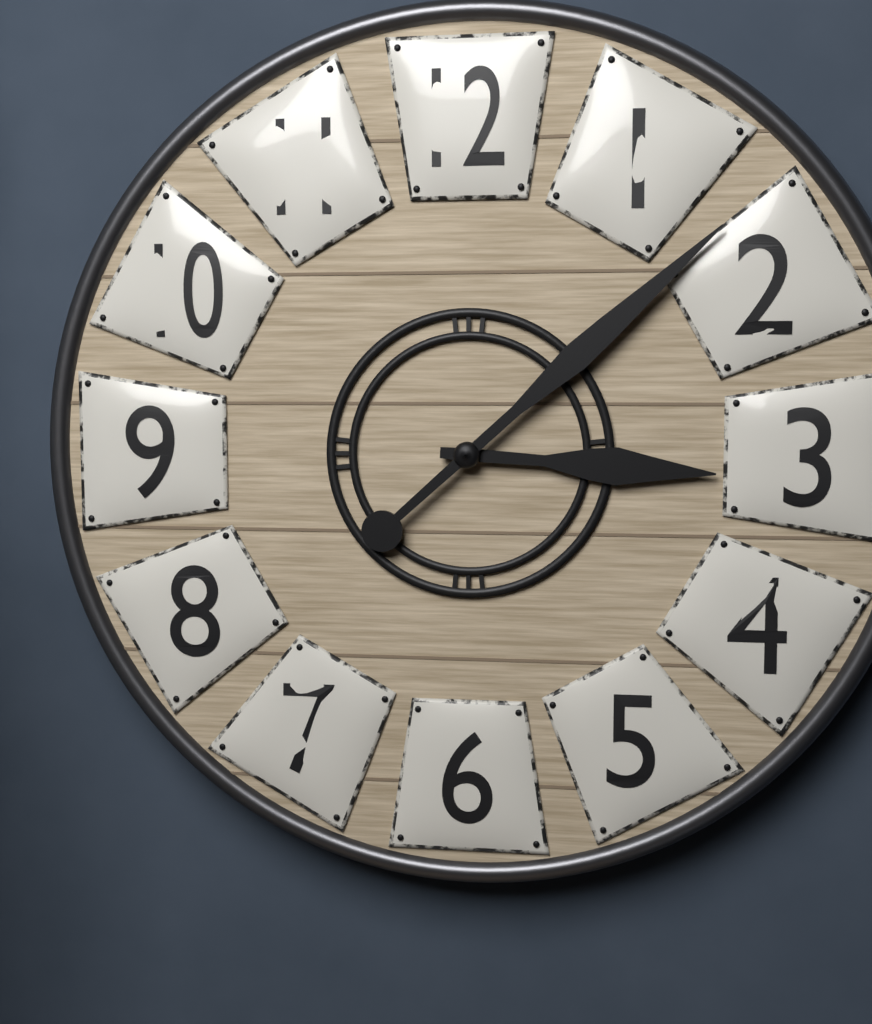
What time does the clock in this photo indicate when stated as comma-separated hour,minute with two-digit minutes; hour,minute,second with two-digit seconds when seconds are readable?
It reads 3,08
